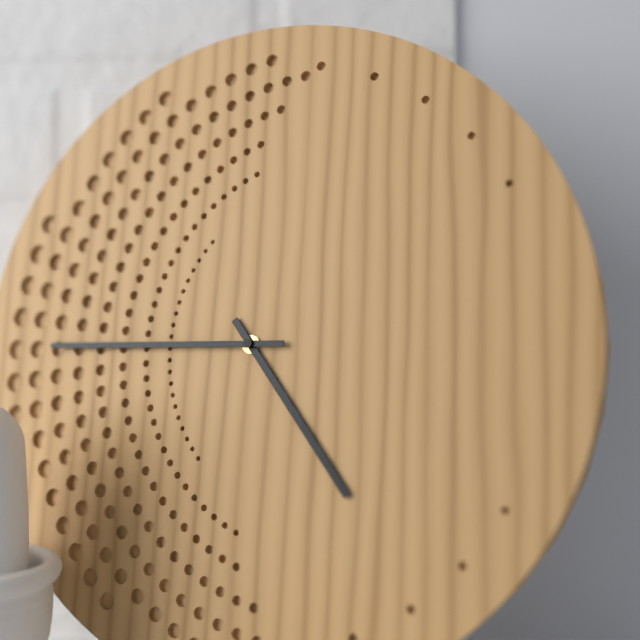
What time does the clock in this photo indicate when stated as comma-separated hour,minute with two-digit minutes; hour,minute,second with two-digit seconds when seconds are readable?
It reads 4,45
